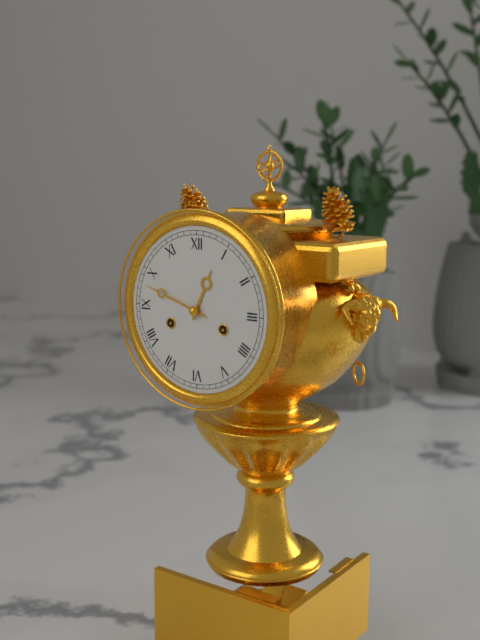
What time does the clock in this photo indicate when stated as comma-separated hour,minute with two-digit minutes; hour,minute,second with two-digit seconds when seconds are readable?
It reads 12,48
